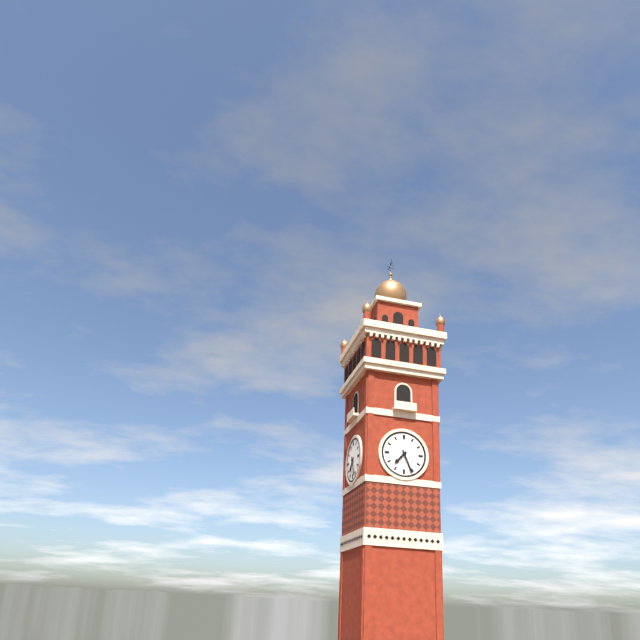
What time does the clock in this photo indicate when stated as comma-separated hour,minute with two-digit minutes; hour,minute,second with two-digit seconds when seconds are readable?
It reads 7,26
